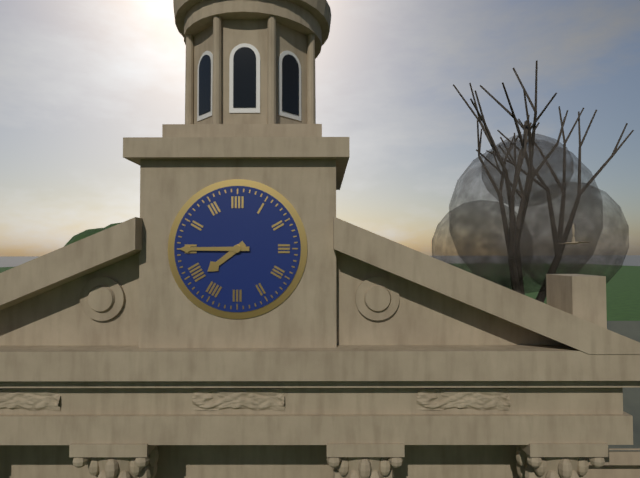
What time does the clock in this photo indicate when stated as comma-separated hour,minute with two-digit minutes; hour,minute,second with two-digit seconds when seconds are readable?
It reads 7,45
